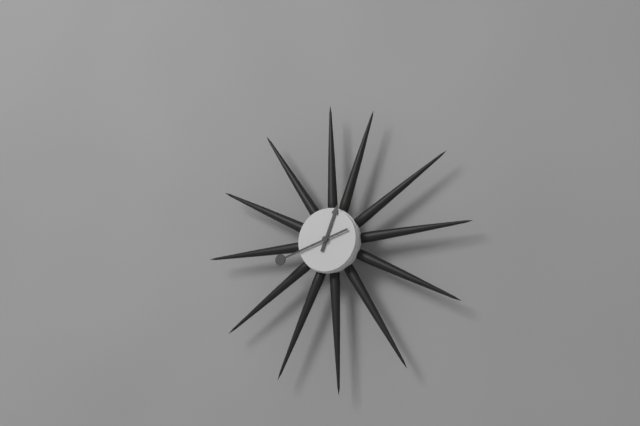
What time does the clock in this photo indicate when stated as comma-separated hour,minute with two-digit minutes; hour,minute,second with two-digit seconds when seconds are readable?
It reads 12,42
